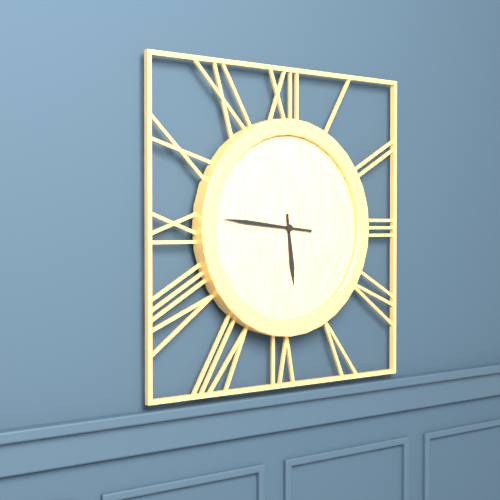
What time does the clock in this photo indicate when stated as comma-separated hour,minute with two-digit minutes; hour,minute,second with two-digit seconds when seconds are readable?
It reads 5,46
